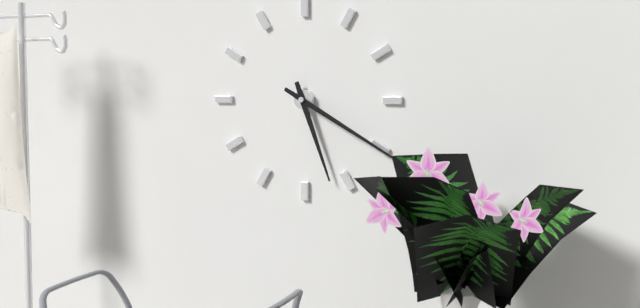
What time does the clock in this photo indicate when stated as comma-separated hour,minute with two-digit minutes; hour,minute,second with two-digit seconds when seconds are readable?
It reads 5,20
